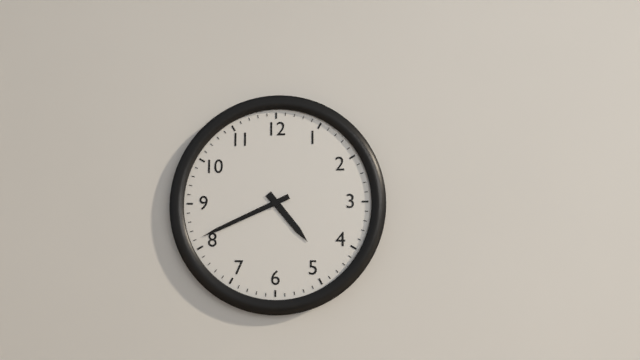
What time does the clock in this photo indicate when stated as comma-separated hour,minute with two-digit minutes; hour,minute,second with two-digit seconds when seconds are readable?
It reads 4,41
